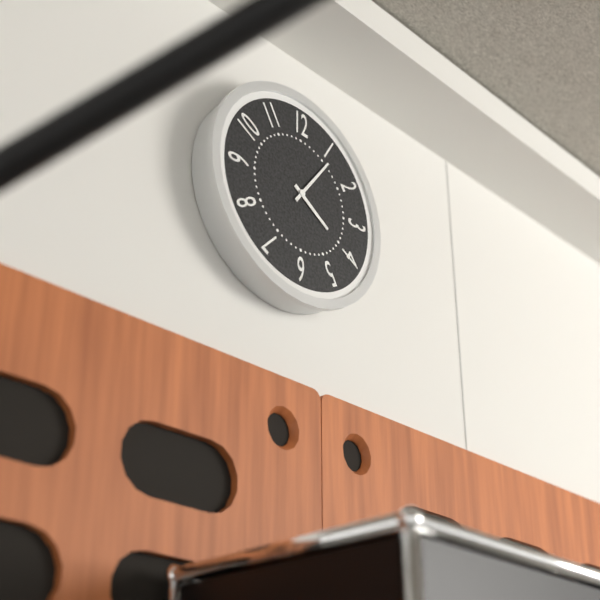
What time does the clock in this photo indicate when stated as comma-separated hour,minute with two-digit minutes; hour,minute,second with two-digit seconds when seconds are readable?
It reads 4,06
